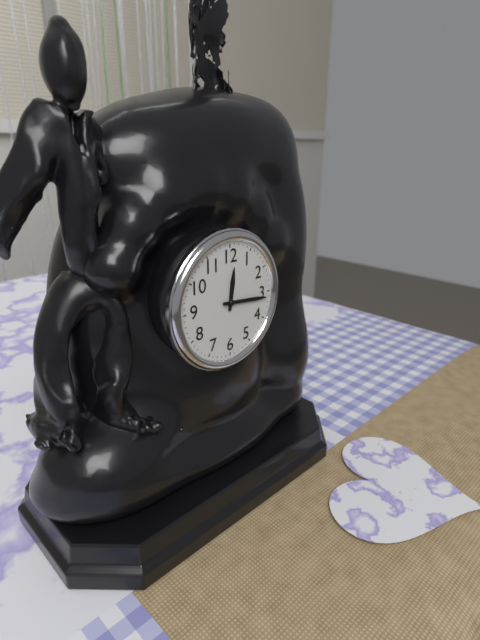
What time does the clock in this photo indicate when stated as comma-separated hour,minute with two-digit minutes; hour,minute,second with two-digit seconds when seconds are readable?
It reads 12,16
